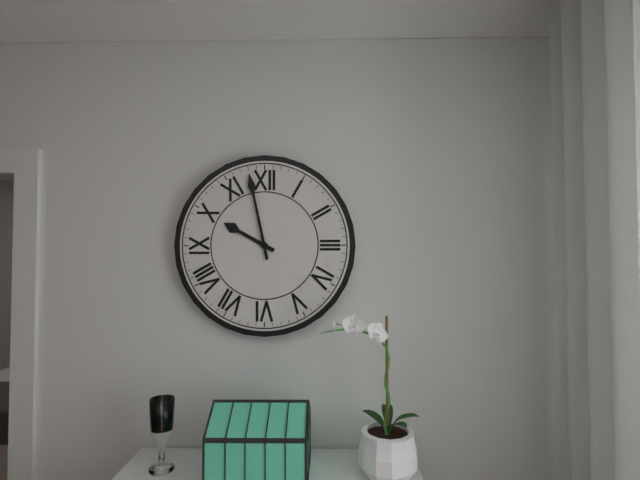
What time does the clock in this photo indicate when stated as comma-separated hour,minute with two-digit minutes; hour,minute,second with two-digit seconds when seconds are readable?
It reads 9,58
